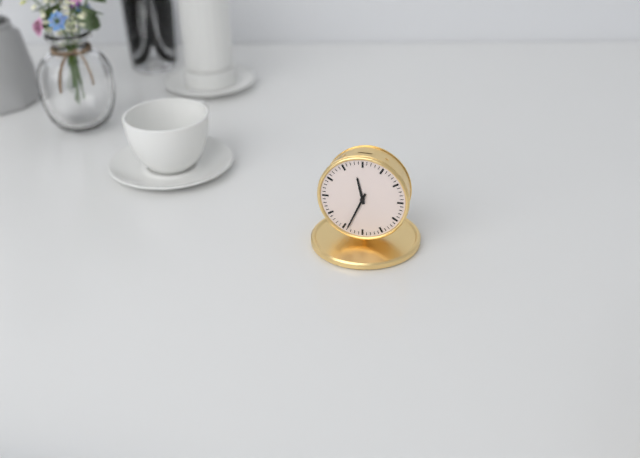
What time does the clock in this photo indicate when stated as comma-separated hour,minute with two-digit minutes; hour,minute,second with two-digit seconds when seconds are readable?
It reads 11,34
